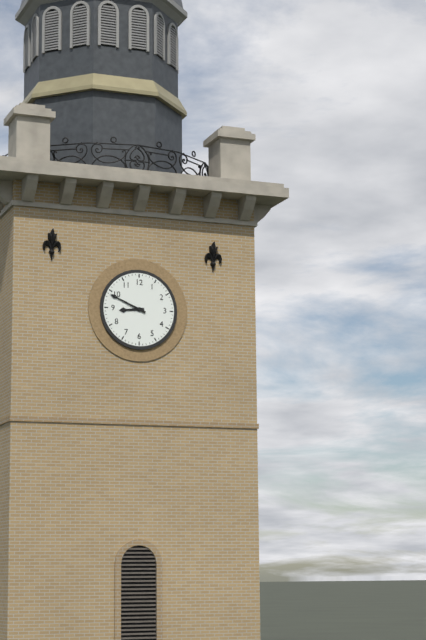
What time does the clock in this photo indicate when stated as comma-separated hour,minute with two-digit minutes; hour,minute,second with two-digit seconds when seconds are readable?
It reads 8,49
